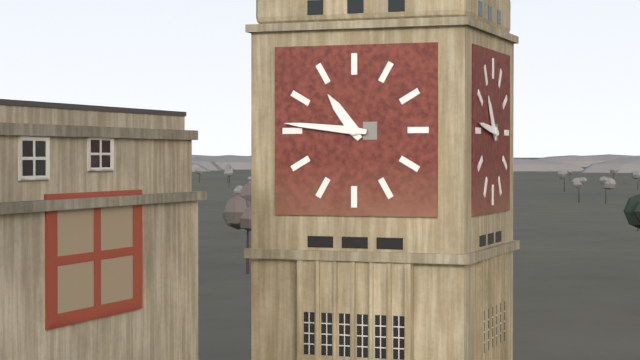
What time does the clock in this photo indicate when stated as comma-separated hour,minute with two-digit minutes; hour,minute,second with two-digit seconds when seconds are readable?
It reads 10,46
